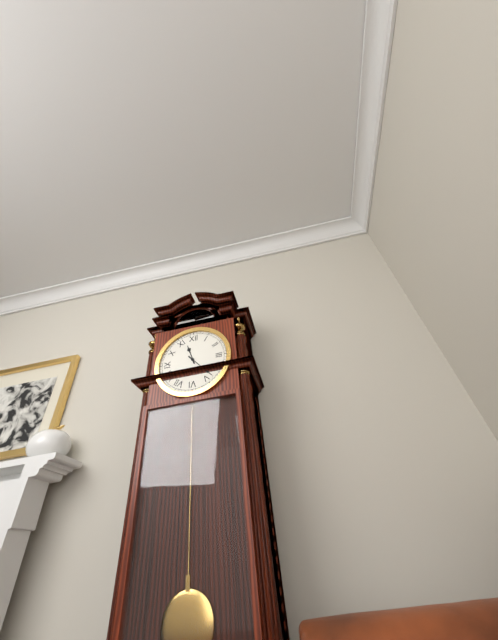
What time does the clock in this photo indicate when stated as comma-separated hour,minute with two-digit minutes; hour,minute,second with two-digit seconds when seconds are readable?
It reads 11,23
